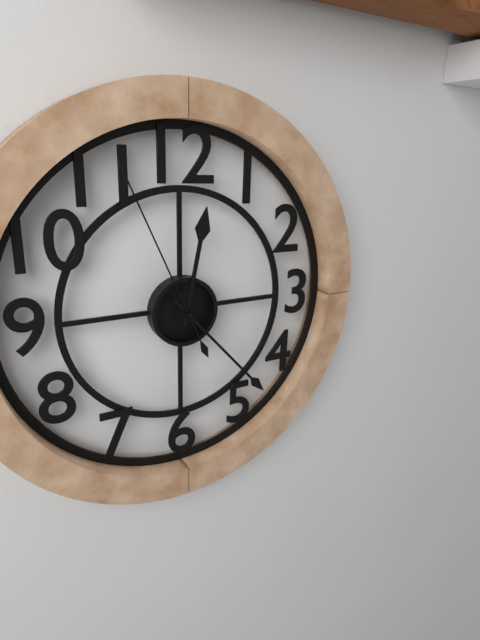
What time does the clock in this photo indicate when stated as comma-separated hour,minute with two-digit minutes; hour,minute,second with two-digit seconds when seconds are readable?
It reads 12,23,56
